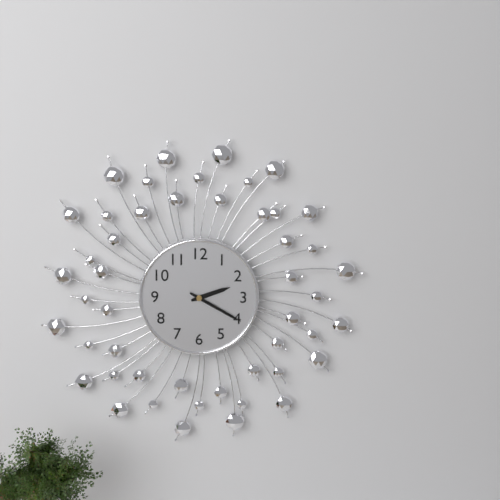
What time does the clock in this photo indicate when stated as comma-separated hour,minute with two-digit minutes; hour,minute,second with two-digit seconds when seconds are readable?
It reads 2,20
